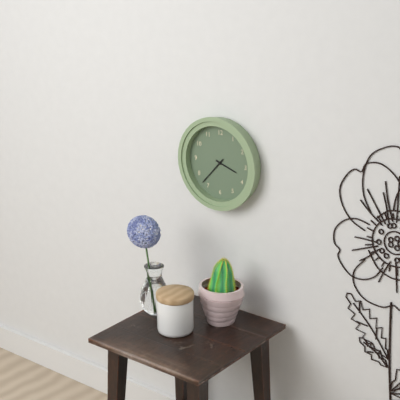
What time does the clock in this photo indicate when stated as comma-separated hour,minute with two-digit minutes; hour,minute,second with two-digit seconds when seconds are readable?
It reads 3,37
